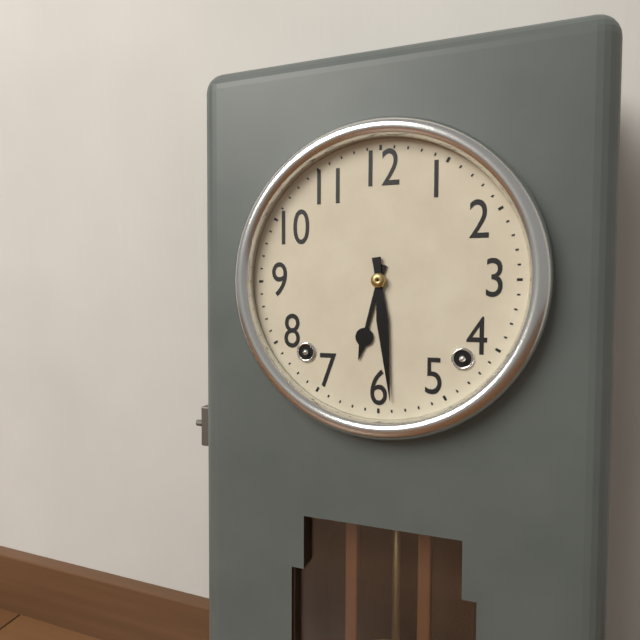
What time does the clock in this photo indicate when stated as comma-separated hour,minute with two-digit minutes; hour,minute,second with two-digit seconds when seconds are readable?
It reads 6,29
